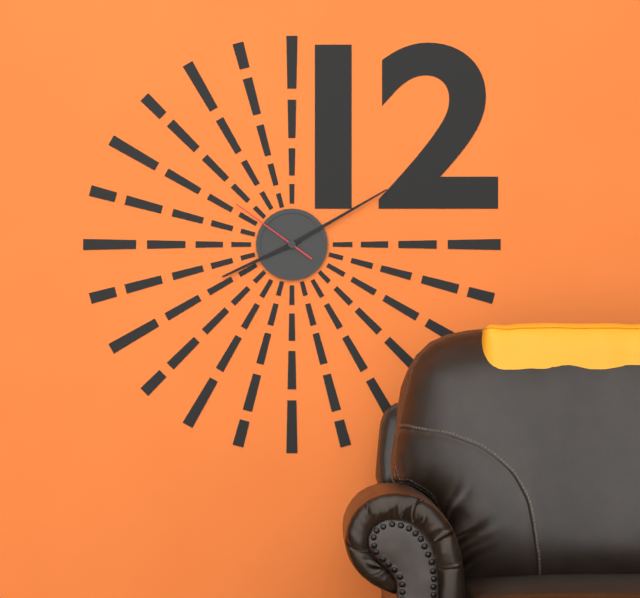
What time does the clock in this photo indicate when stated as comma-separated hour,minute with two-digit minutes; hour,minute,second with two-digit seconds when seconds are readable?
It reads 8,10,51
